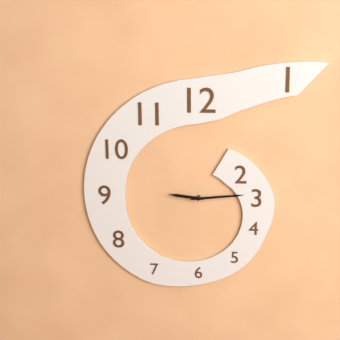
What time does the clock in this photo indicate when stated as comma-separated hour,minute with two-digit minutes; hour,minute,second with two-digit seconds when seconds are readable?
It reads 9,14
